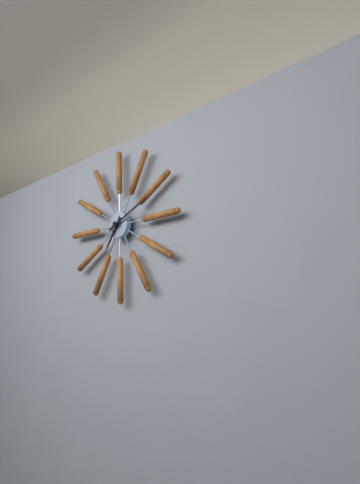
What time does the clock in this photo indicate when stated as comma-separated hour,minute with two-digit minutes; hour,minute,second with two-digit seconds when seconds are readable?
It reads 7,11
